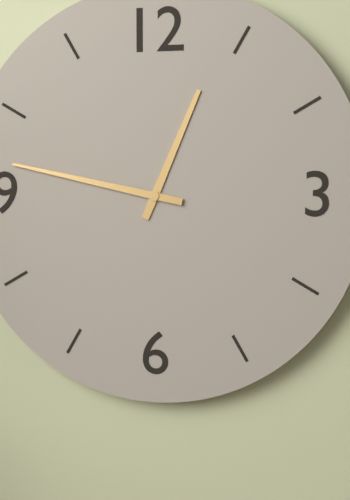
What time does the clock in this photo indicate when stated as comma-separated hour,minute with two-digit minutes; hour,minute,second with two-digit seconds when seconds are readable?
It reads 12,47
